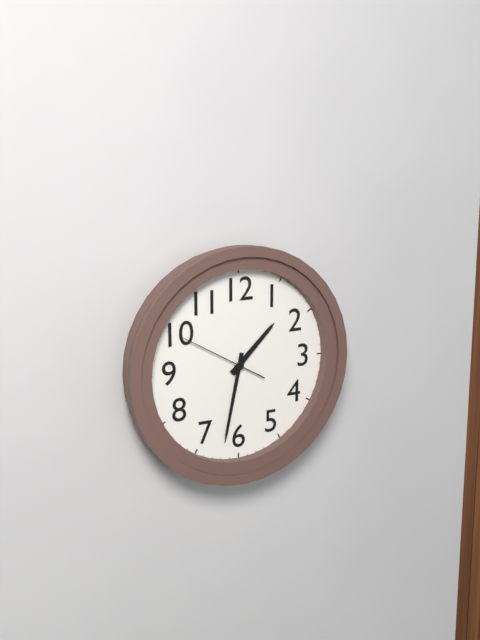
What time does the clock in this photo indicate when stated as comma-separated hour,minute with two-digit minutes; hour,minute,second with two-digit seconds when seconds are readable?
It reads 1,32,50
